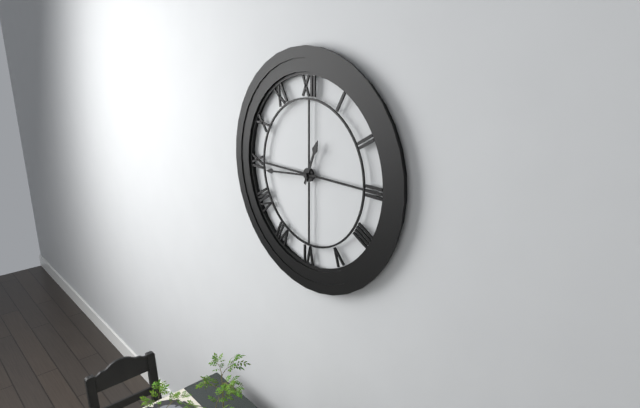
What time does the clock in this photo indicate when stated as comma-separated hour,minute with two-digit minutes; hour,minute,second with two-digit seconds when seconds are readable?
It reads 12,44
